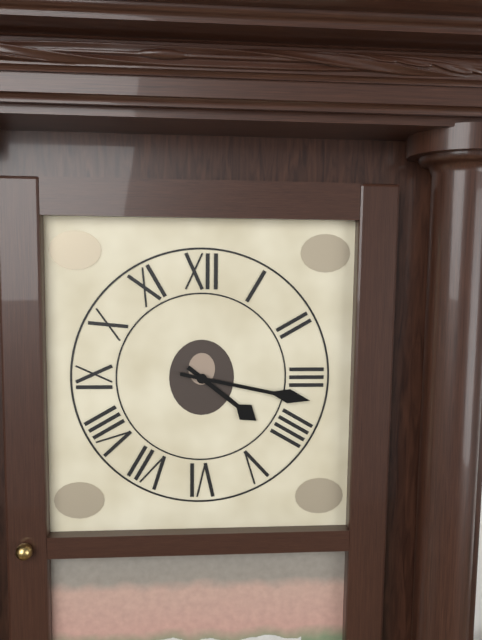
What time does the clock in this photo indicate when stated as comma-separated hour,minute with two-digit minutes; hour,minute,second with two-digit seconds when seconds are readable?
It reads 4,17
